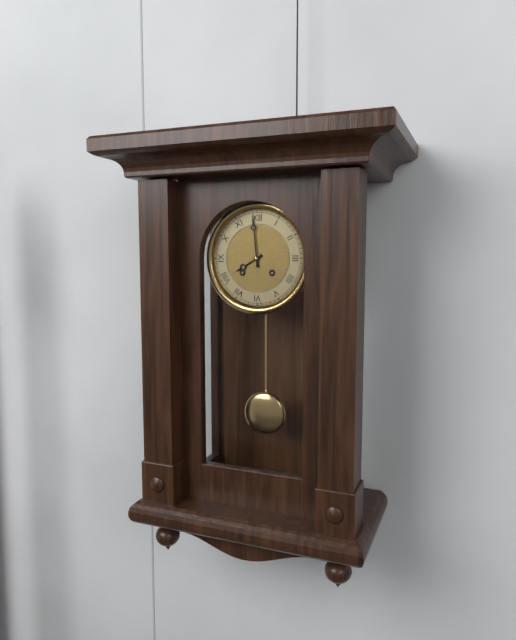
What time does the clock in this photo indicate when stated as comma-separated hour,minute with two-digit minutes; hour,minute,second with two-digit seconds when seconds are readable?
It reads 7,59
